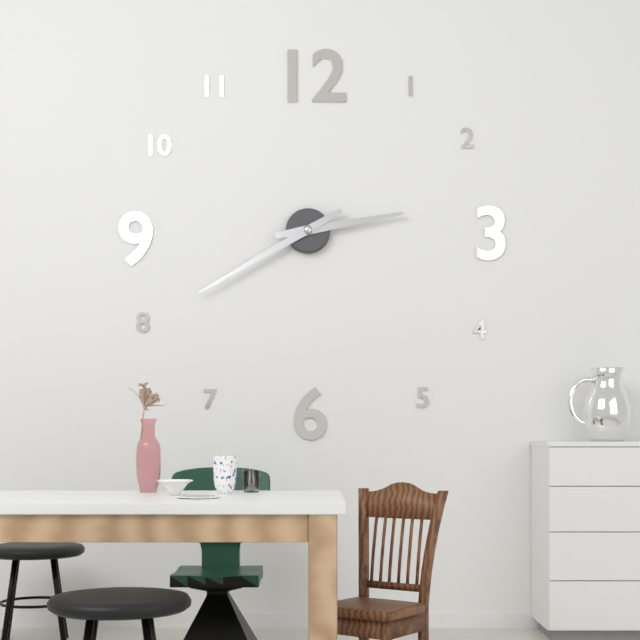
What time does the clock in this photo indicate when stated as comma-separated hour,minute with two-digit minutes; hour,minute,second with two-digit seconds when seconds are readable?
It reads 2,40
